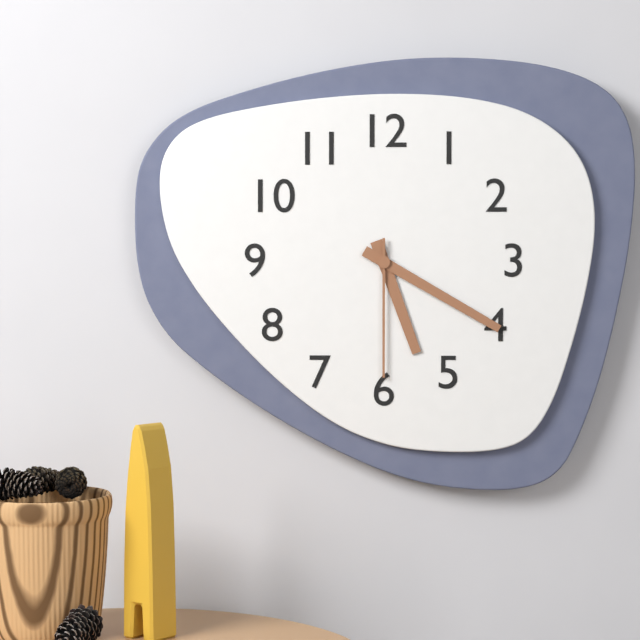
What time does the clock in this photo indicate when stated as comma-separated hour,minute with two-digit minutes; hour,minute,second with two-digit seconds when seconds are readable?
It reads 5,20,30
